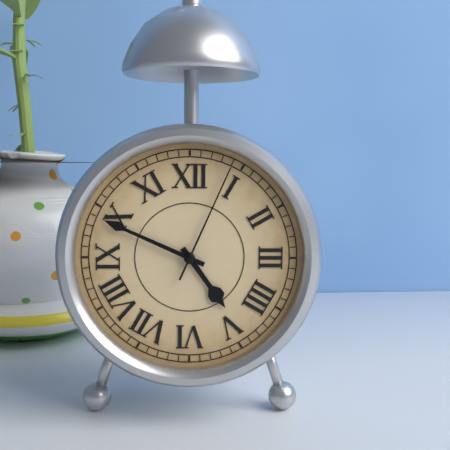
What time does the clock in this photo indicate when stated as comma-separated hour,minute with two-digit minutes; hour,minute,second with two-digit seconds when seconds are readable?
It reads 4,49,04
